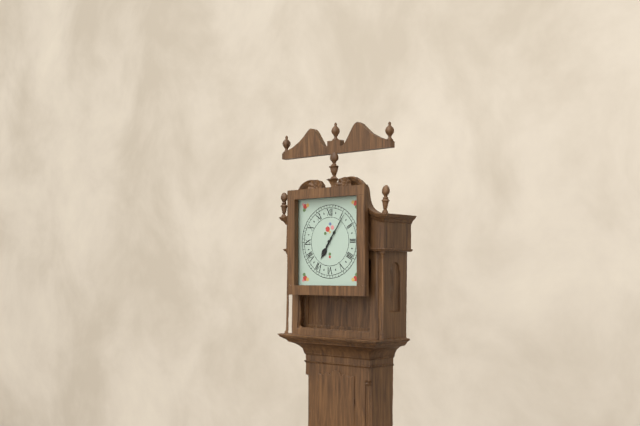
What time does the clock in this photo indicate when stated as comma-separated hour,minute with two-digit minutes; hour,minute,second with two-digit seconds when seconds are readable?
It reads 7,06
